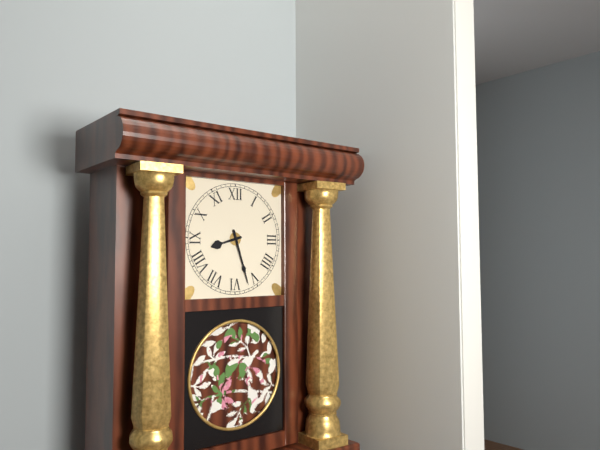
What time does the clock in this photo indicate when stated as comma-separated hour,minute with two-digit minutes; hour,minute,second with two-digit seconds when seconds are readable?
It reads 8,27
